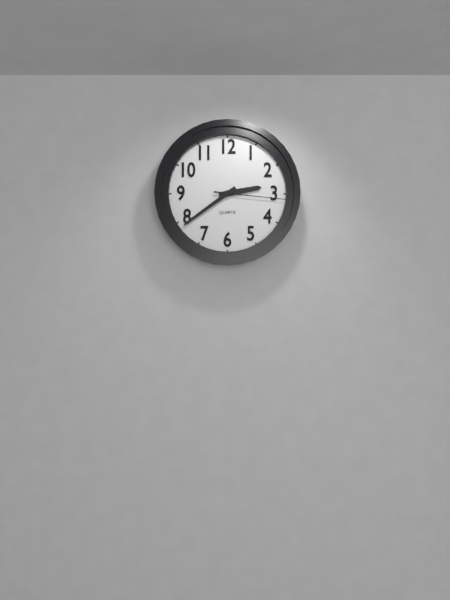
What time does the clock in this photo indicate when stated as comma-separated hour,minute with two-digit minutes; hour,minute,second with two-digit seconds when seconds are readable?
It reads 2,39,16
